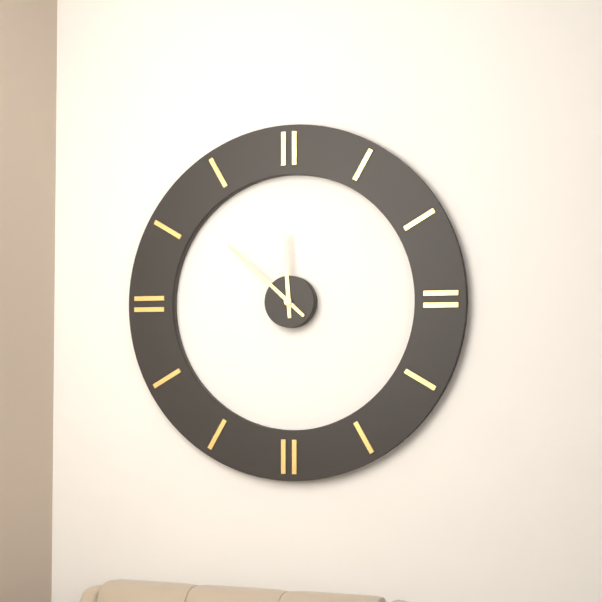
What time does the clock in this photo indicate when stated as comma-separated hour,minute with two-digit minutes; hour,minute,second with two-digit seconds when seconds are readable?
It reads 11,52
